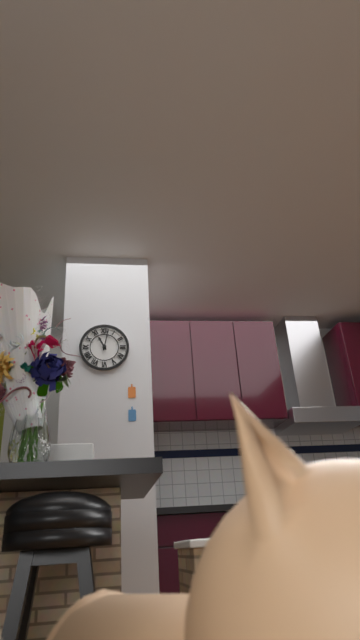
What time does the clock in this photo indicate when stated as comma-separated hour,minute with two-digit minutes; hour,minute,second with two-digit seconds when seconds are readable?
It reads 11,02
